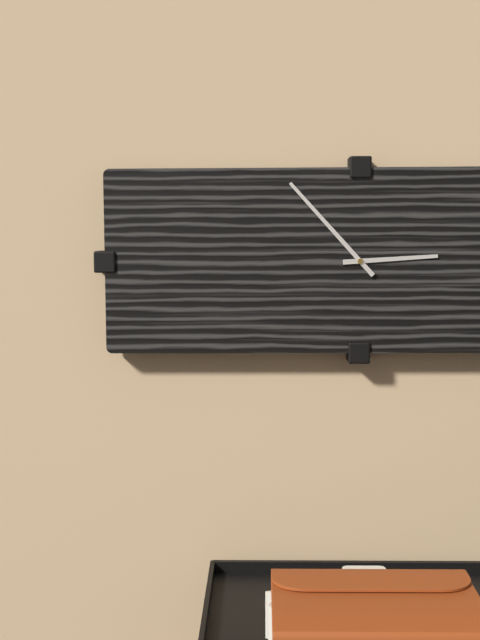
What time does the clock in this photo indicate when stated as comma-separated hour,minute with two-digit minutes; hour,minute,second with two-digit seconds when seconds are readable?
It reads 2,53
